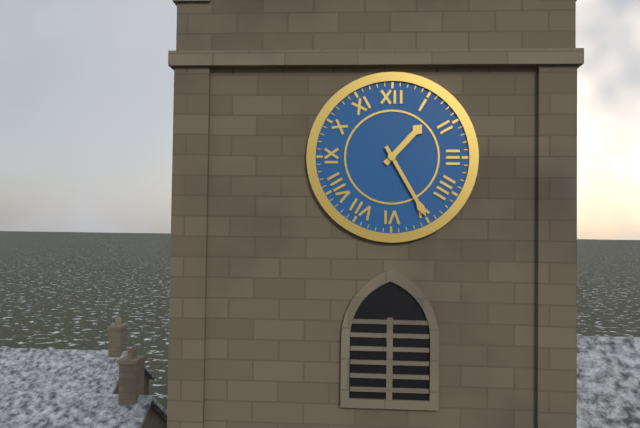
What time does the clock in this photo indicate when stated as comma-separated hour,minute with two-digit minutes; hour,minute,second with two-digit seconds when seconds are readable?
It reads 1,25
